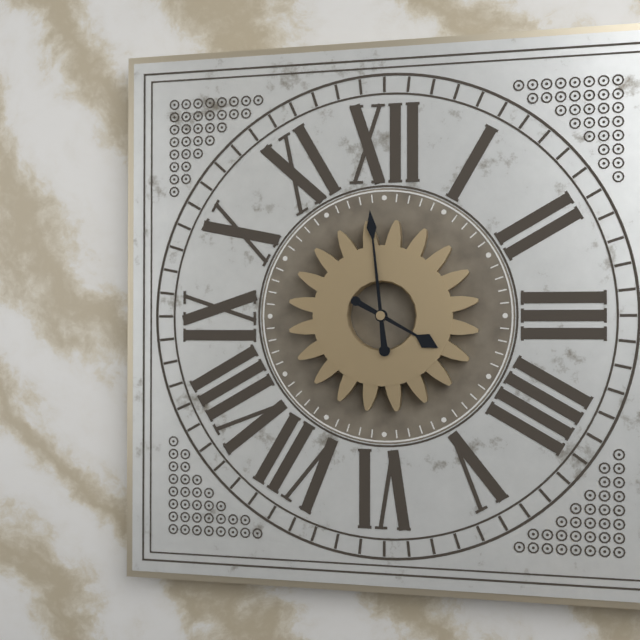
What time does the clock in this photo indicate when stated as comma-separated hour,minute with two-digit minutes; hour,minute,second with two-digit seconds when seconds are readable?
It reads 3,59
